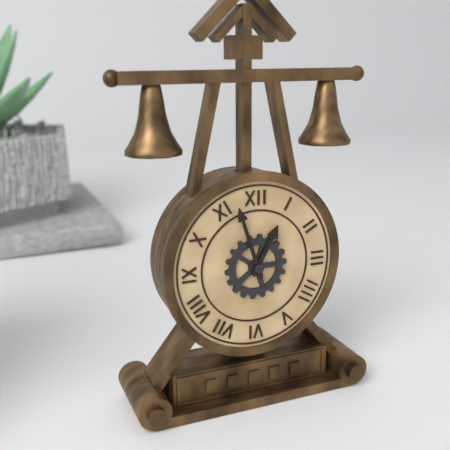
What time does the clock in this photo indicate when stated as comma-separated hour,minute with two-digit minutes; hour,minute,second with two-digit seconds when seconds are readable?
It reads 12,57
